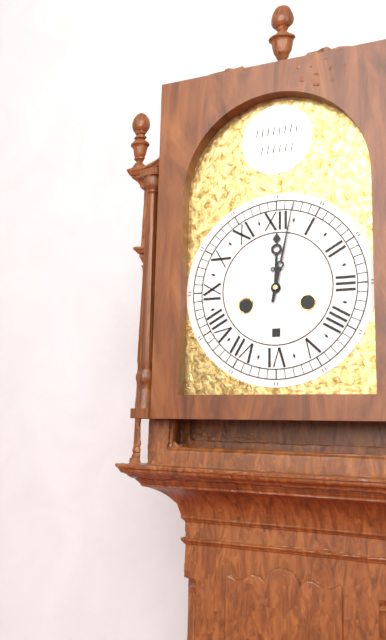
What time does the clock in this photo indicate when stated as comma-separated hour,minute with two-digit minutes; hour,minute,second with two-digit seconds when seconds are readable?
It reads 12,02
